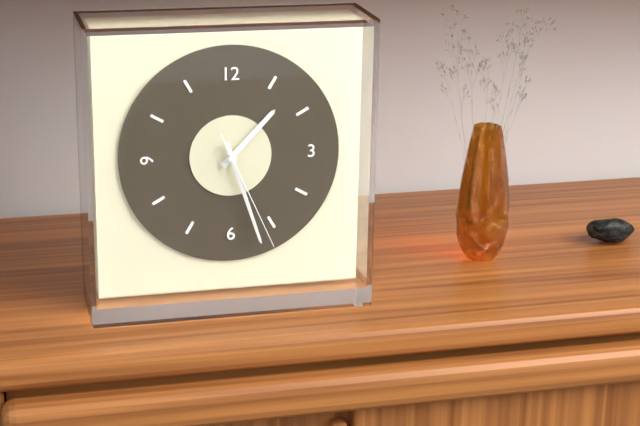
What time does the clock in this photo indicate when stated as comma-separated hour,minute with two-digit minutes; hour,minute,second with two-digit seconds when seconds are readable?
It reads 1,27,26
